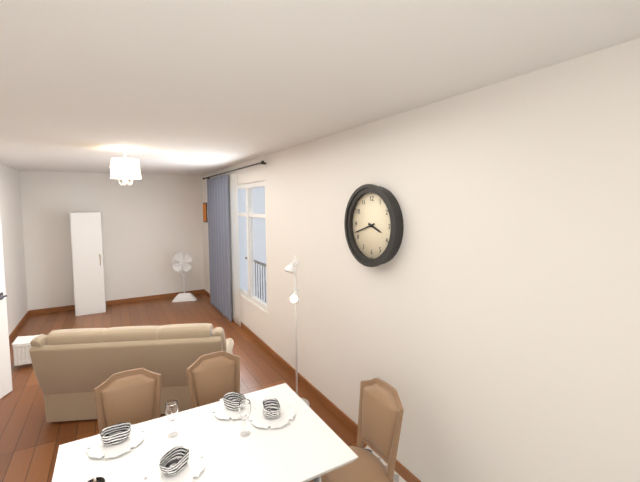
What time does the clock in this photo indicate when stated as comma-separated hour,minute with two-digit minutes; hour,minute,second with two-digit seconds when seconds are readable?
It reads 3,42
